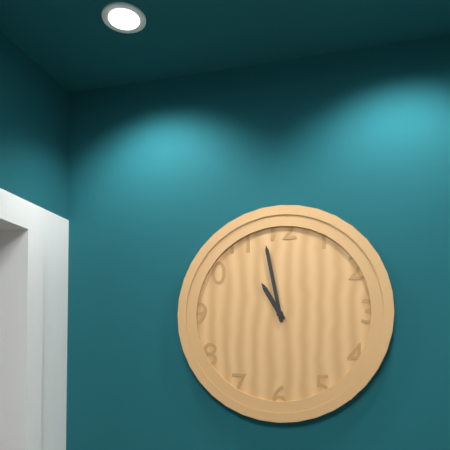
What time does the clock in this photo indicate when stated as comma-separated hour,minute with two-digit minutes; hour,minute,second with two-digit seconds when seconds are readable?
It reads 10,58
